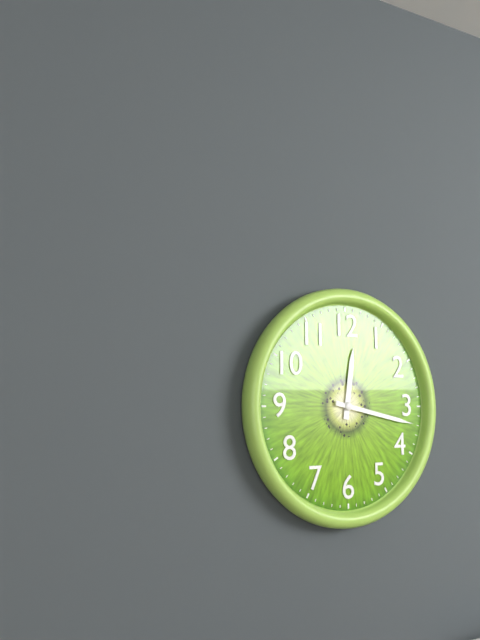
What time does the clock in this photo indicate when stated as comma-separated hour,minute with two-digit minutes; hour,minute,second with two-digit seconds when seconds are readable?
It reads 12,17
